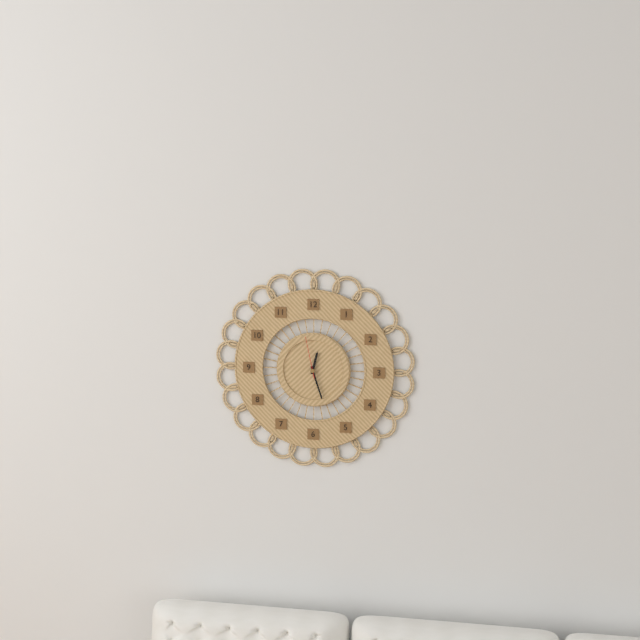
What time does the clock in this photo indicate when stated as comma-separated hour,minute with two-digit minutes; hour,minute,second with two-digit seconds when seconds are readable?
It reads 12,27
